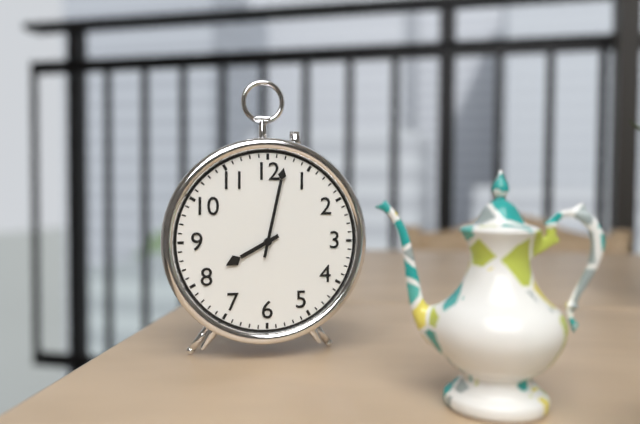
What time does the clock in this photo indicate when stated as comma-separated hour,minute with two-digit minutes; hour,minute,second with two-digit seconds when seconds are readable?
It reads 8,02
